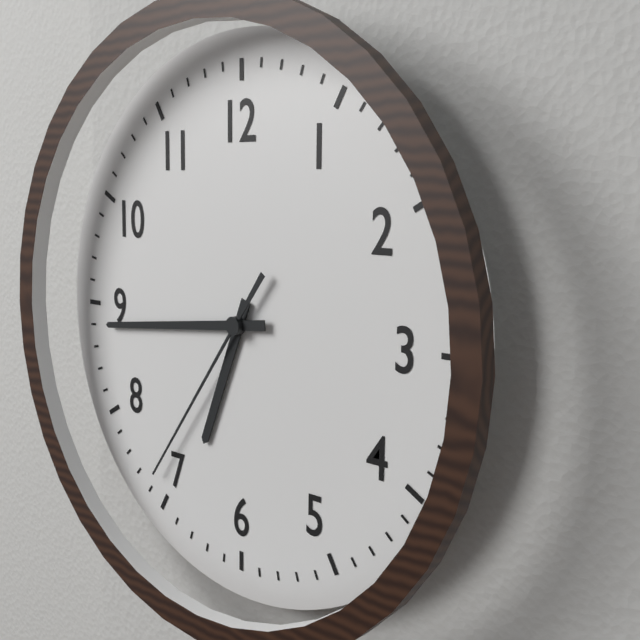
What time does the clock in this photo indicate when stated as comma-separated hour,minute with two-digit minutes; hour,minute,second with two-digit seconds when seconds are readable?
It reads 6,44,36
